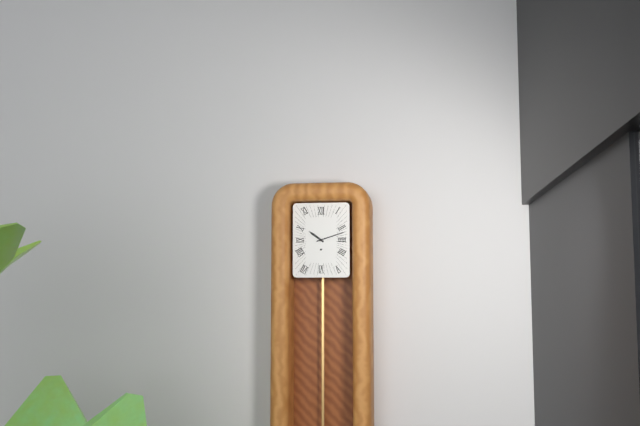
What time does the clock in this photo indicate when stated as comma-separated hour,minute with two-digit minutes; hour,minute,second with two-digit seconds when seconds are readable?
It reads 10,12
